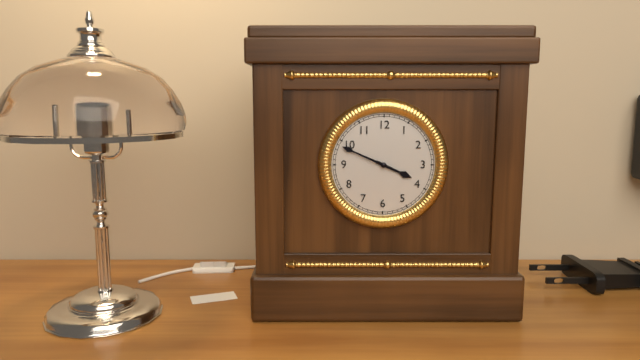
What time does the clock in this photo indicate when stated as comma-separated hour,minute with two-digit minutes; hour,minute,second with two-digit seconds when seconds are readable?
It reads 3,49
